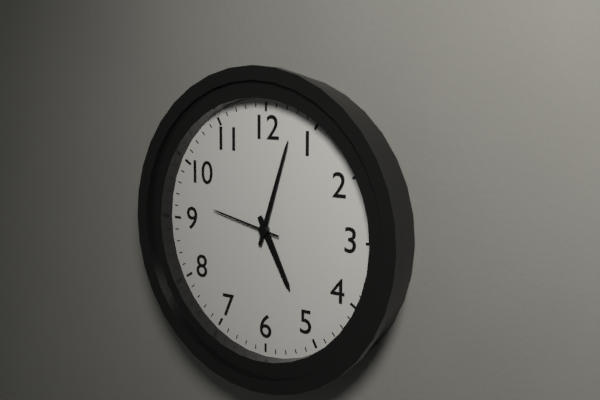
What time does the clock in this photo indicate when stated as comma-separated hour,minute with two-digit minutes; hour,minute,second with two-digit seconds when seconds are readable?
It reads 5,03,47
